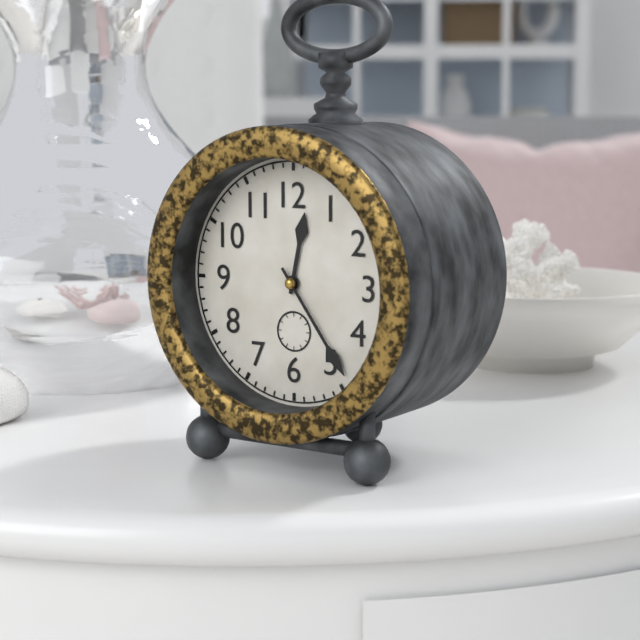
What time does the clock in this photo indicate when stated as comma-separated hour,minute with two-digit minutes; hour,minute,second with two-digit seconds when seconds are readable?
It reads 12,24
